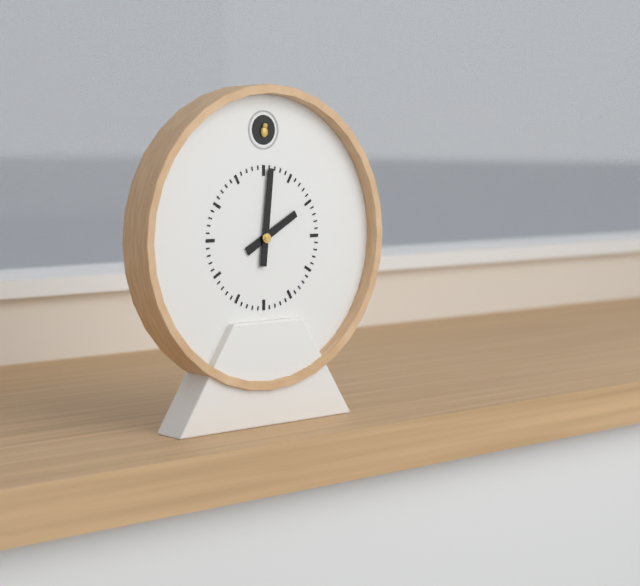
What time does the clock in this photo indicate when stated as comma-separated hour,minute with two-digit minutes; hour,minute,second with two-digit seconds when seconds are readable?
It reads 2,01
